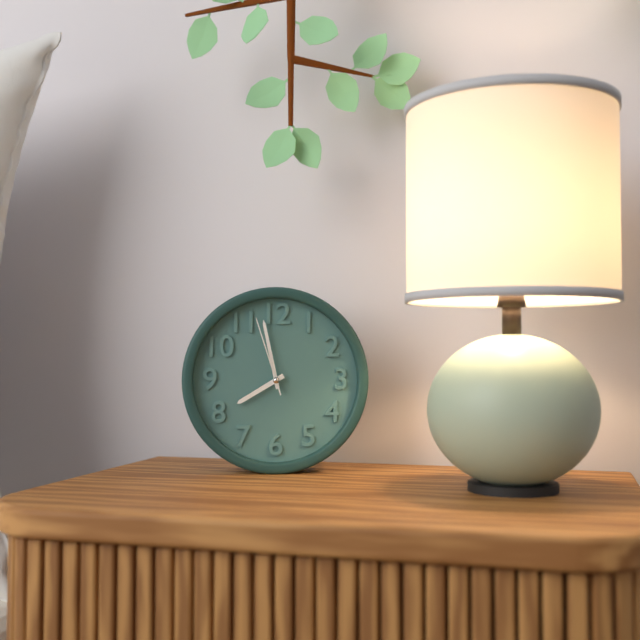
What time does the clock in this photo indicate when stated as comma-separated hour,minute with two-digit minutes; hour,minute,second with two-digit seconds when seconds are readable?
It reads 7,58,57
